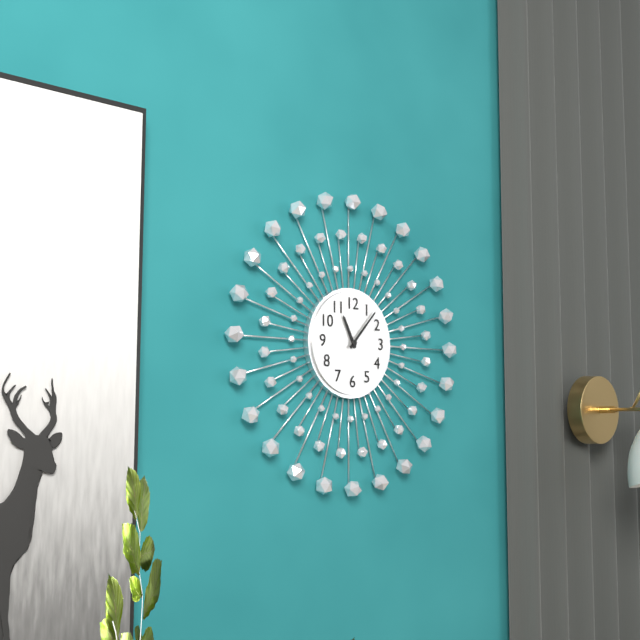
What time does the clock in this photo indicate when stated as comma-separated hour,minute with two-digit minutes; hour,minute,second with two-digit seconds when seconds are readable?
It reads 11,07
